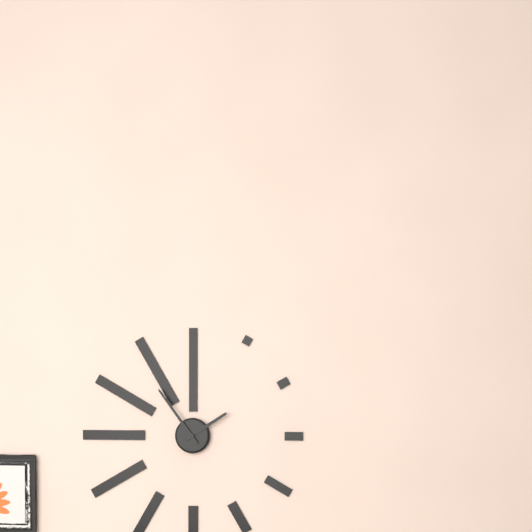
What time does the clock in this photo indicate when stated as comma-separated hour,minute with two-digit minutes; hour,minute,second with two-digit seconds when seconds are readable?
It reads 1,54
